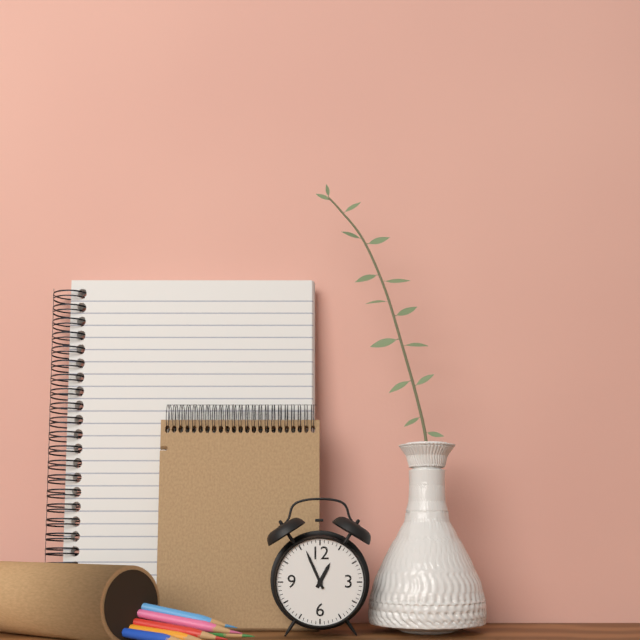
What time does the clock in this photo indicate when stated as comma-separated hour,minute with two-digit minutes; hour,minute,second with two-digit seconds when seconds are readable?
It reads 12,56
